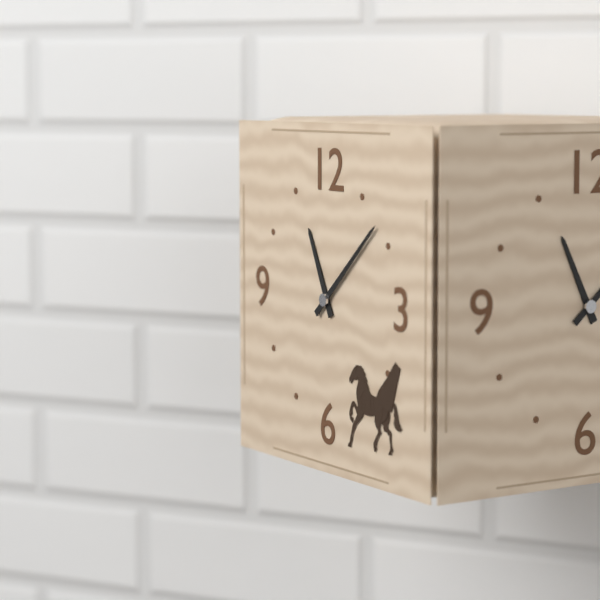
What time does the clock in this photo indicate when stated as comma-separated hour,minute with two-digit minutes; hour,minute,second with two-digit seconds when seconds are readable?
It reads 11,08
